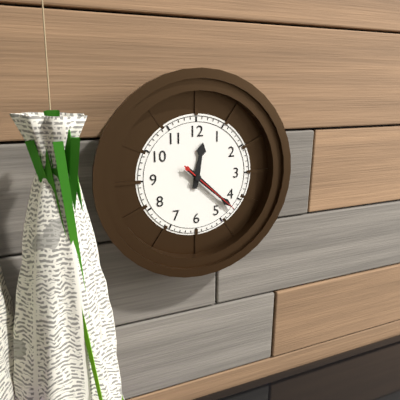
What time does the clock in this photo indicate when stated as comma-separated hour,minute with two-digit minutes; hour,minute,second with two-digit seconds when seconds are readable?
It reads 12,22,22
